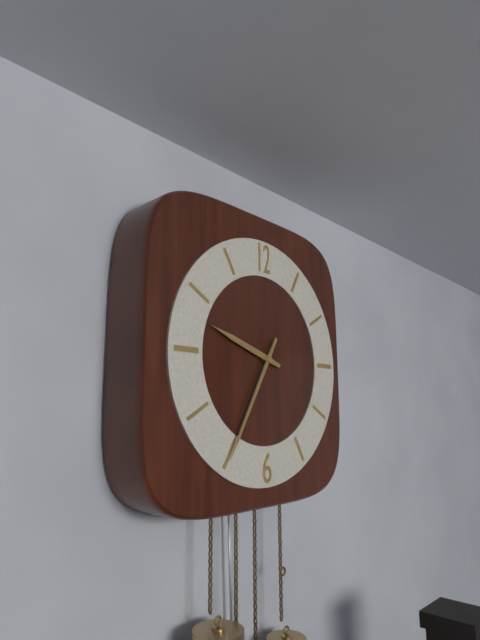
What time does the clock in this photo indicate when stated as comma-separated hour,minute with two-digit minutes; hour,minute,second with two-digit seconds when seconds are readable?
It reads 9,35
